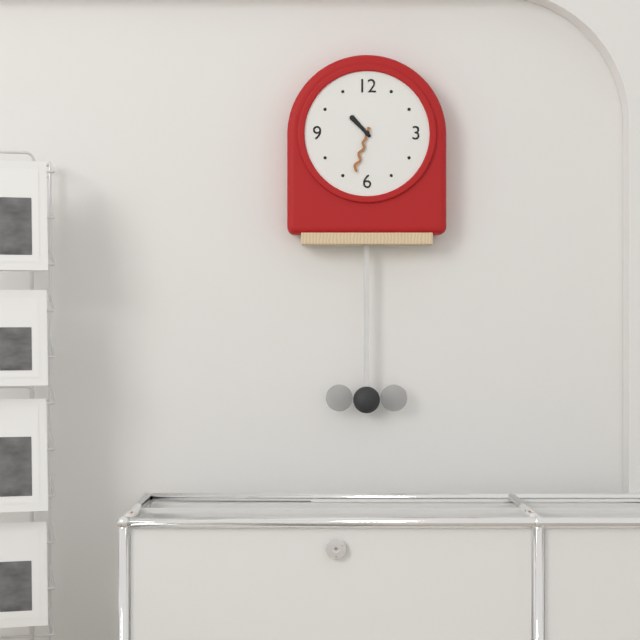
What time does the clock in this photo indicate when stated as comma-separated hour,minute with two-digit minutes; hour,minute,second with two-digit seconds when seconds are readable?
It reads 10,33
